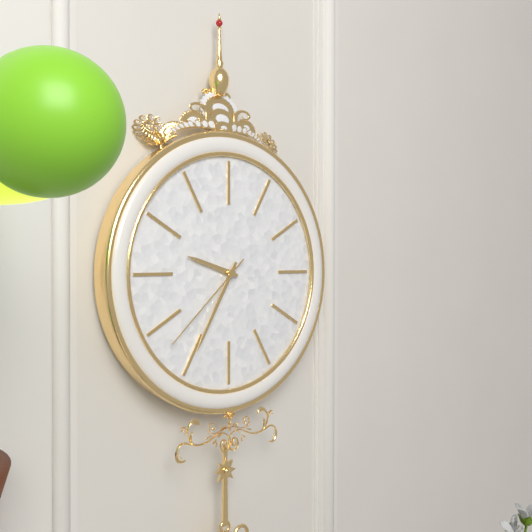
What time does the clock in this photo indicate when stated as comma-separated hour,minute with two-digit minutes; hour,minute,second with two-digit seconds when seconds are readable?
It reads 9,35,38
